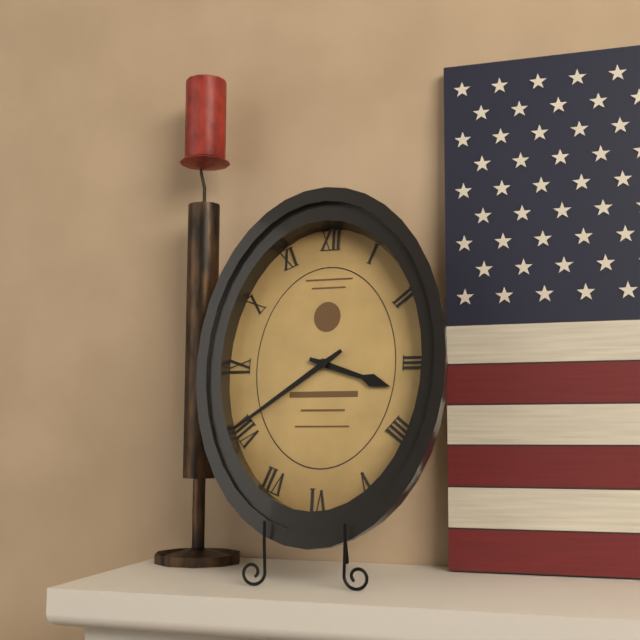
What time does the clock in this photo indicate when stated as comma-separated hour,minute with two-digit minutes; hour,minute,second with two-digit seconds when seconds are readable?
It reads 3,39
